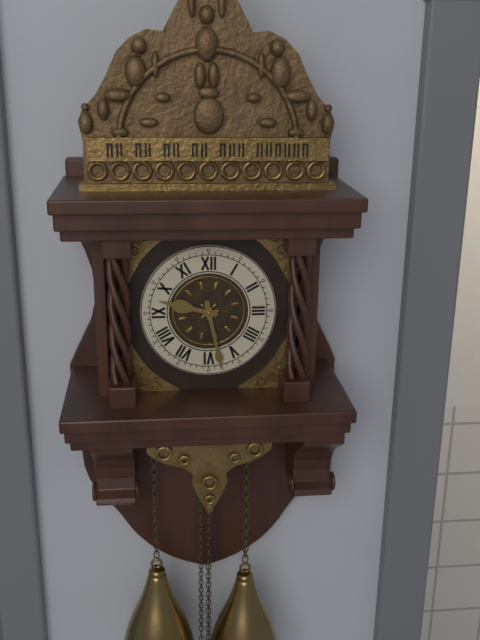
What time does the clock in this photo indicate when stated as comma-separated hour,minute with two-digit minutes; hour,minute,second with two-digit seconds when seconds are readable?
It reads 9,28
